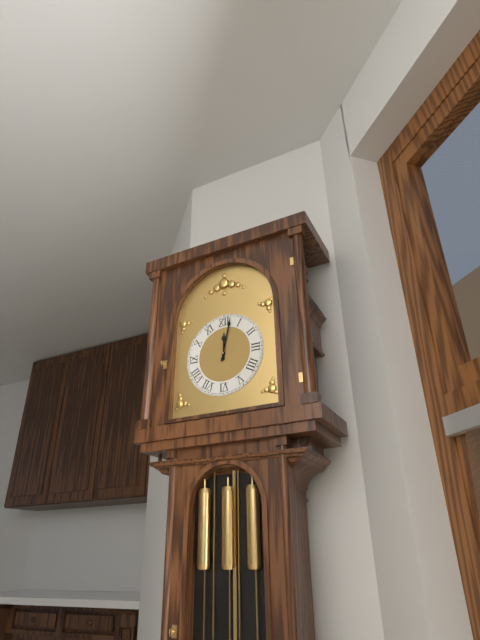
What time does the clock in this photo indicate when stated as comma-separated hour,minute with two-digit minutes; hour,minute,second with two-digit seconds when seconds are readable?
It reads 12,02
